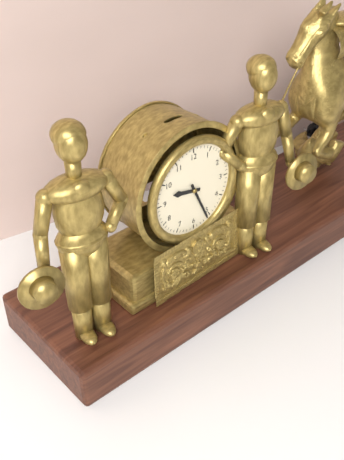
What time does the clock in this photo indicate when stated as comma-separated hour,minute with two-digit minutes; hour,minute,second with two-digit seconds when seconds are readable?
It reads 9,26
